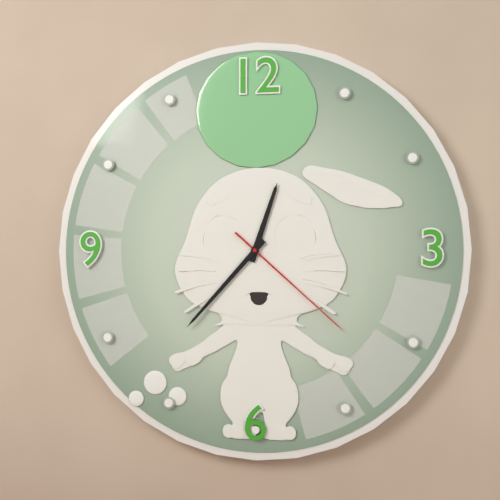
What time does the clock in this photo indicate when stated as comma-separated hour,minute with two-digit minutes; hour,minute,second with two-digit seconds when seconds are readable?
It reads 12,37,22
